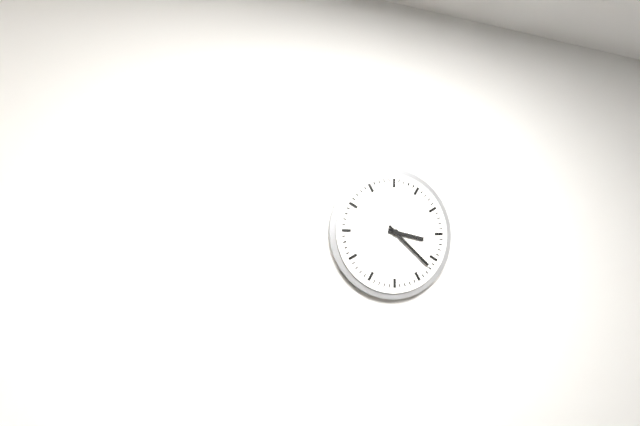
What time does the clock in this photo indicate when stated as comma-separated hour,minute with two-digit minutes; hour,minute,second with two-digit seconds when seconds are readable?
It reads 3,22
